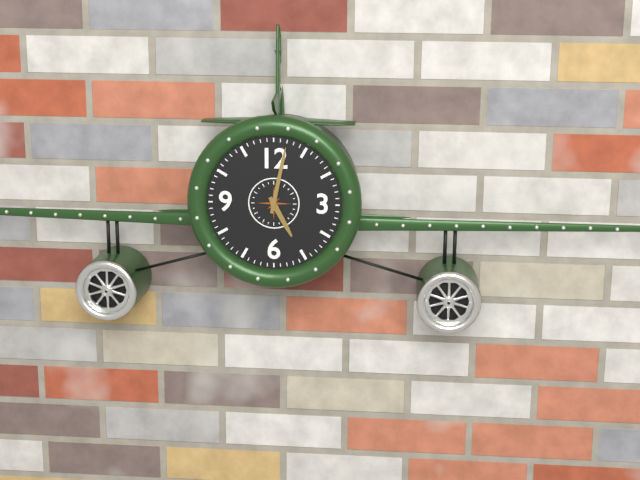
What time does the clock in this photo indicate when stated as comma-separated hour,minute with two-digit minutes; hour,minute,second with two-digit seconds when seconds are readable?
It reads 5,02
